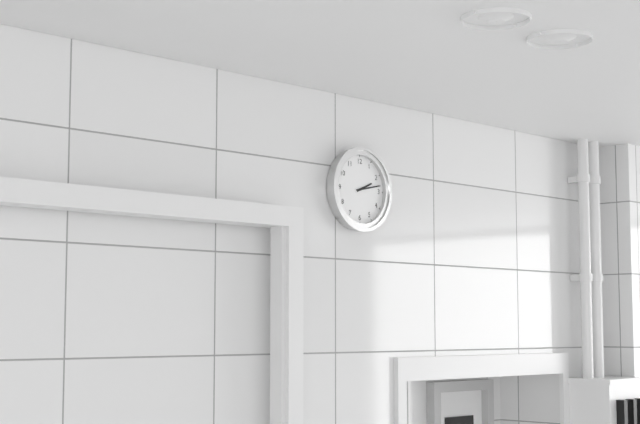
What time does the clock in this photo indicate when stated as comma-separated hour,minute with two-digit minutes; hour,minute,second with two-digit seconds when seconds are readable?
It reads 2,13
